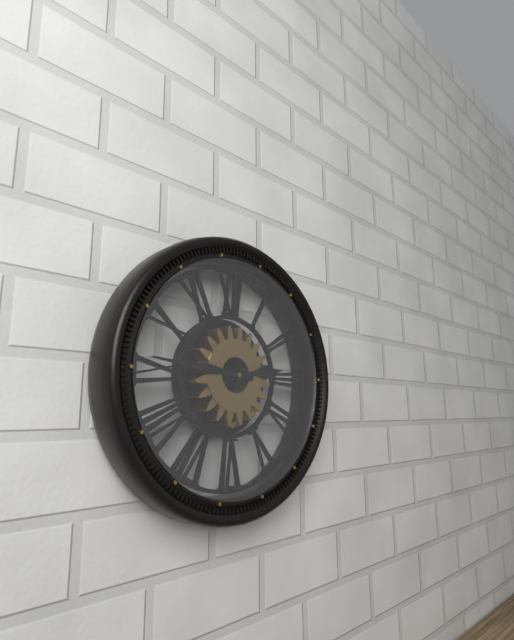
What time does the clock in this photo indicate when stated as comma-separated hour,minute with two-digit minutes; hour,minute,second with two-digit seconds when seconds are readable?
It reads 2,46
